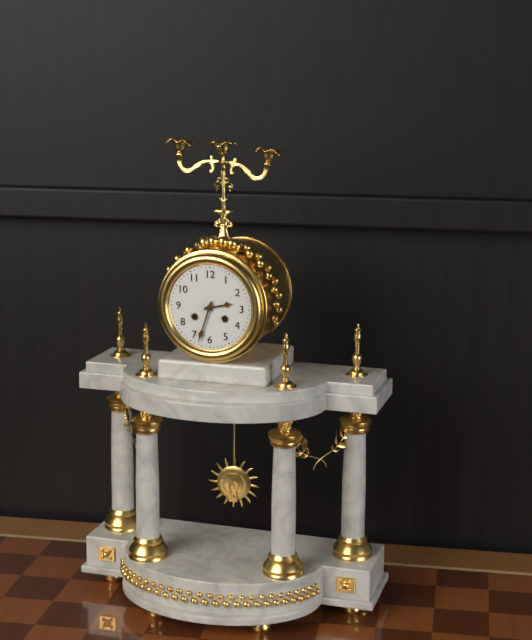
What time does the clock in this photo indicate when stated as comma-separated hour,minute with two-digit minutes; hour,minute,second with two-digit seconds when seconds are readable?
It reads 2,33
